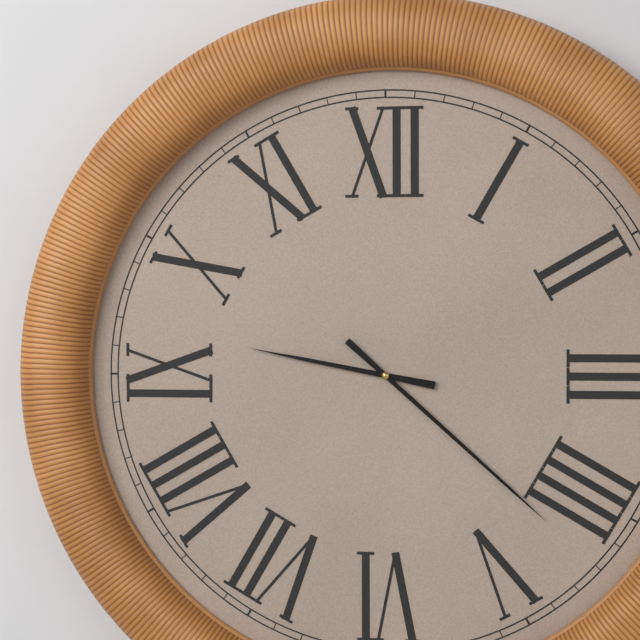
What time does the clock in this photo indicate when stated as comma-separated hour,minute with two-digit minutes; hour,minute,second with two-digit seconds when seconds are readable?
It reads 9,22
